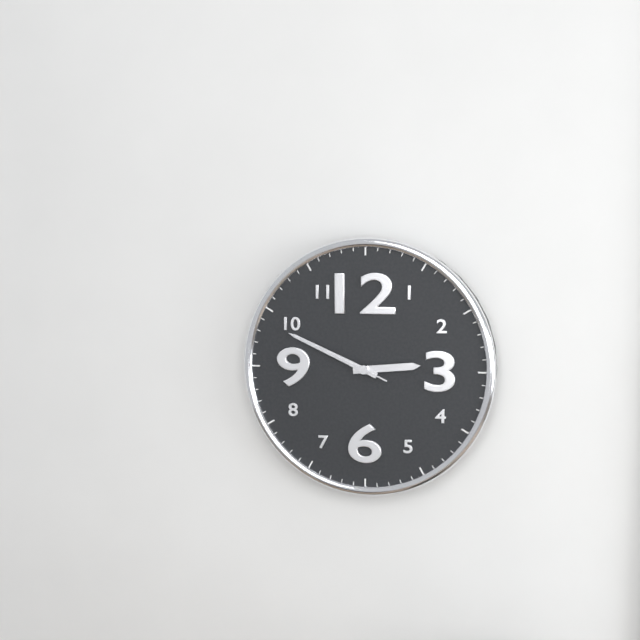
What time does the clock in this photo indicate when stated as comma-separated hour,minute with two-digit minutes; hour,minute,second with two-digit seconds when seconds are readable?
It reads 2,49,49
